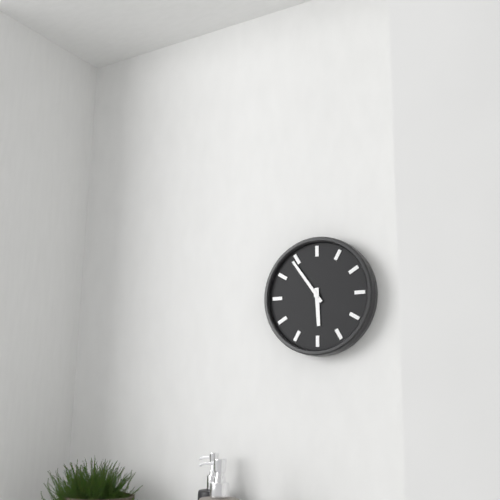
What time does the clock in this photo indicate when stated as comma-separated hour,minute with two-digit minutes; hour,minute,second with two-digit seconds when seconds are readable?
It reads 5,54
